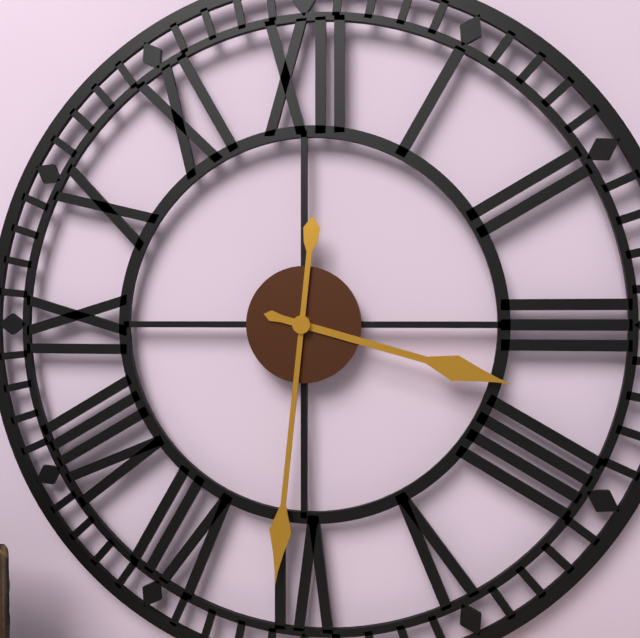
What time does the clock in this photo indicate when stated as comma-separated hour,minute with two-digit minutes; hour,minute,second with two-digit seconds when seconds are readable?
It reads 3,31
